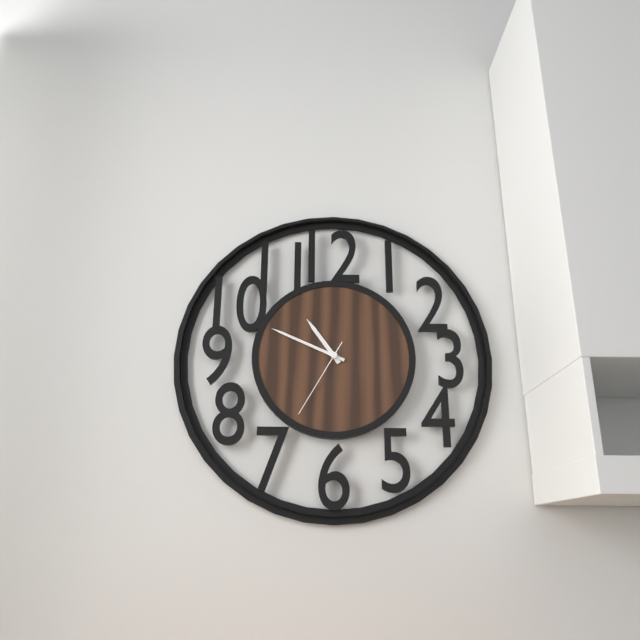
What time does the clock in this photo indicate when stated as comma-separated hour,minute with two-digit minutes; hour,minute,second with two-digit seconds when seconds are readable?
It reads 10,49,35
